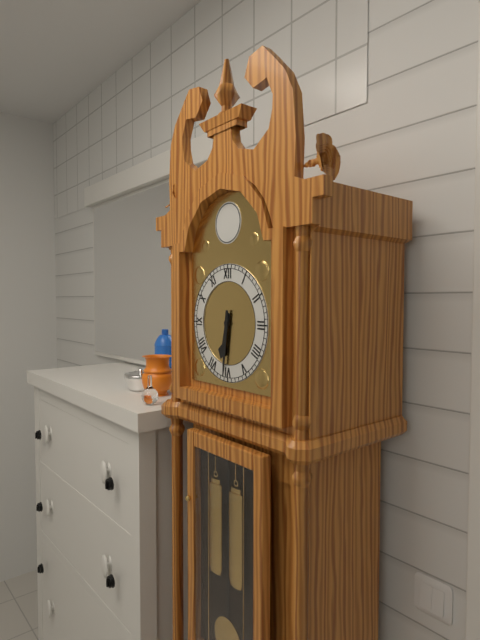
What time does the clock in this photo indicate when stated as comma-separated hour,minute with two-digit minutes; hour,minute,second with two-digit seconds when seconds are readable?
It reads 6,31
